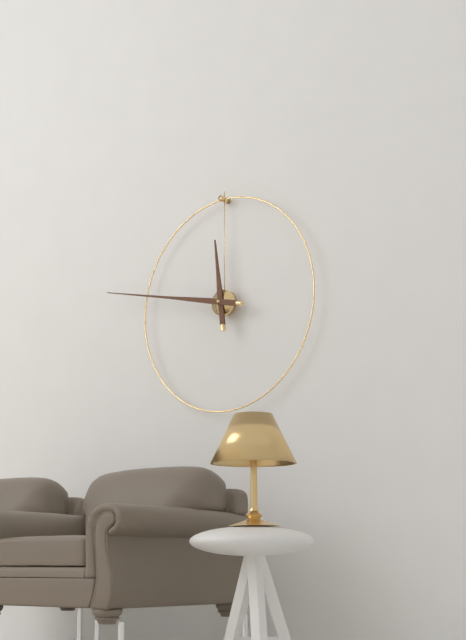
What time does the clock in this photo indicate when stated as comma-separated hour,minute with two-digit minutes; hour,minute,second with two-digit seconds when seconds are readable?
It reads 11,47
